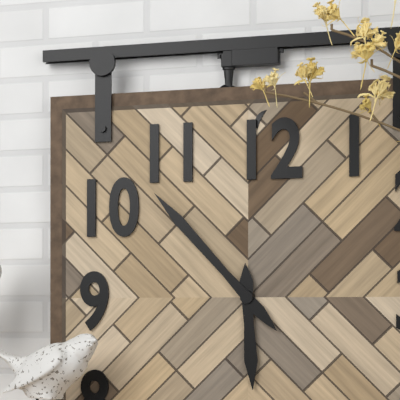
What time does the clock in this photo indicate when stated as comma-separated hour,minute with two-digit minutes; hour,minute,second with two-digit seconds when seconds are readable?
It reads 5,53
